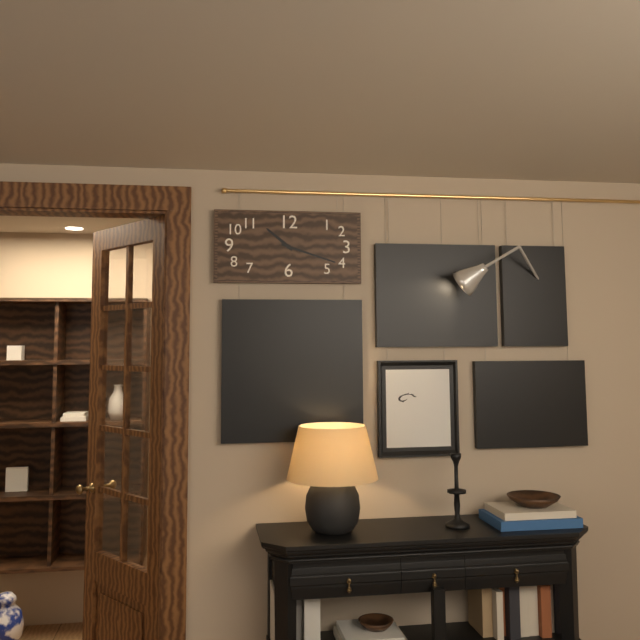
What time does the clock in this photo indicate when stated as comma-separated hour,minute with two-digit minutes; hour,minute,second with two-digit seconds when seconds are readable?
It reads 10,18
